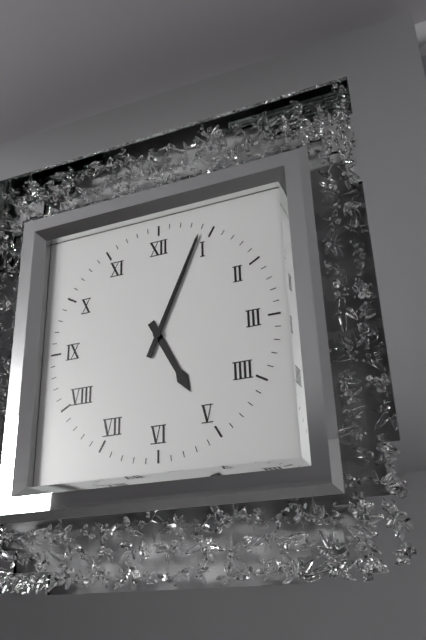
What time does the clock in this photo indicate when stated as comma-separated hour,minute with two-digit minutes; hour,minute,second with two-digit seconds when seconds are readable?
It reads 5,04
